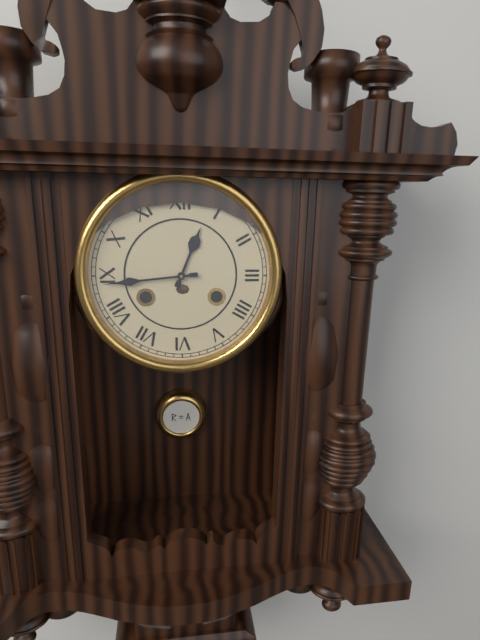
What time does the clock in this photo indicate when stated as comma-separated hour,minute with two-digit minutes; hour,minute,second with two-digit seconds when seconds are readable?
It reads 12,44
